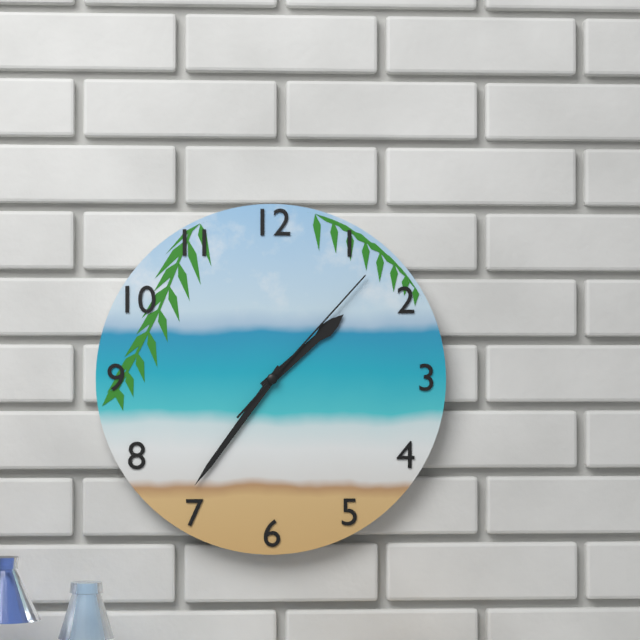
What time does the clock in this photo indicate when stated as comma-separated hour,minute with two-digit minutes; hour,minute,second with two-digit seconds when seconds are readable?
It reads 1,36,07
